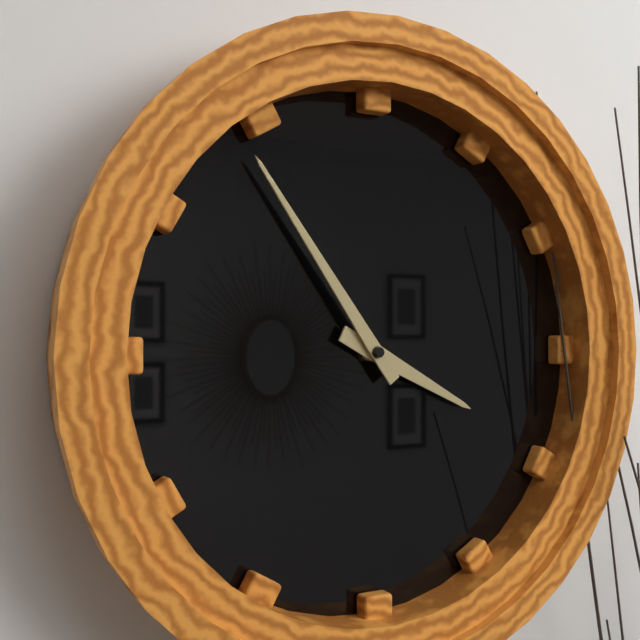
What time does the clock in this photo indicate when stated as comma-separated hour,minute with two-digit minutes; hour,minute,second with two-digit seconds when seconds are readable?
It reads 3,54
